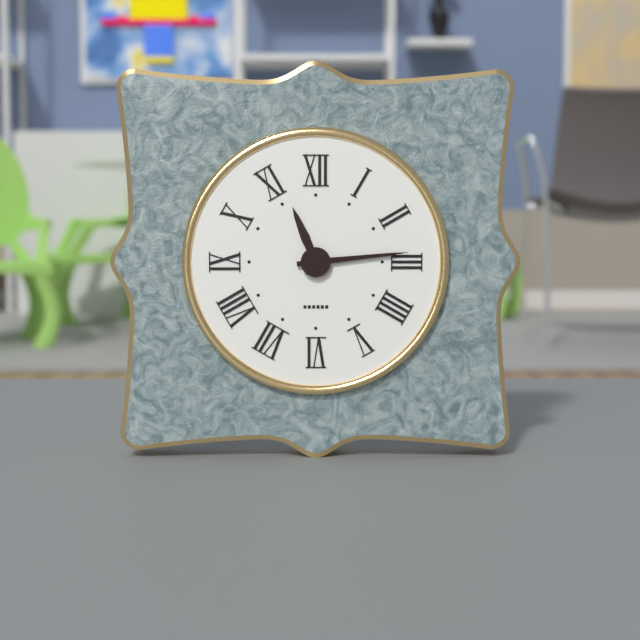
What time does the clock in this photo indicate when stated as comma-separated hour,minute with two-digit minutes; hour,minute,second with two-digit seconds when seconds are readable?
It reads 11,14
